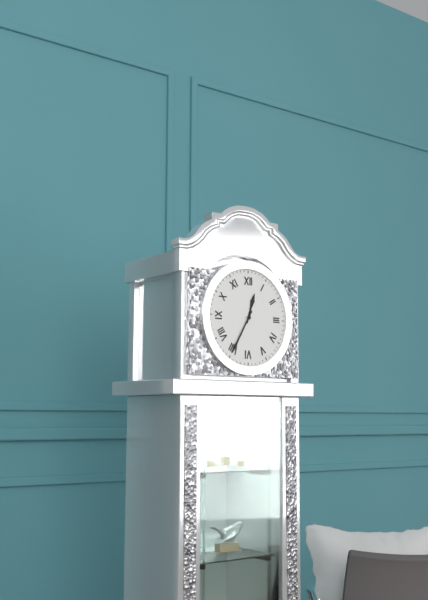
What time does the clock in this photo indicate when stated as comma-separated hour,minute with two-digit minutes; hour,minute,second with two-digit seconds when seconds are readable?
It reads 12,35
